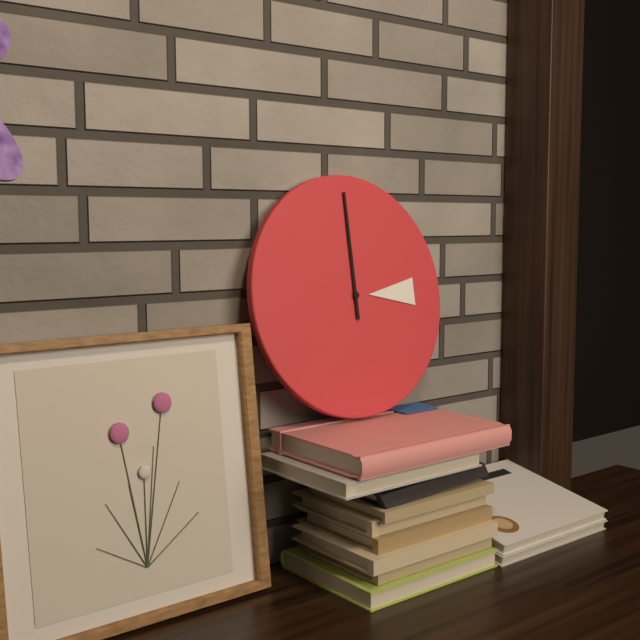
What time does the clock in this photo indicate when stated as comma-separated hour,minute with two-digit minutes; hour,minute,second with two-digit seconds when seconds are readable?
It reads 3,00
